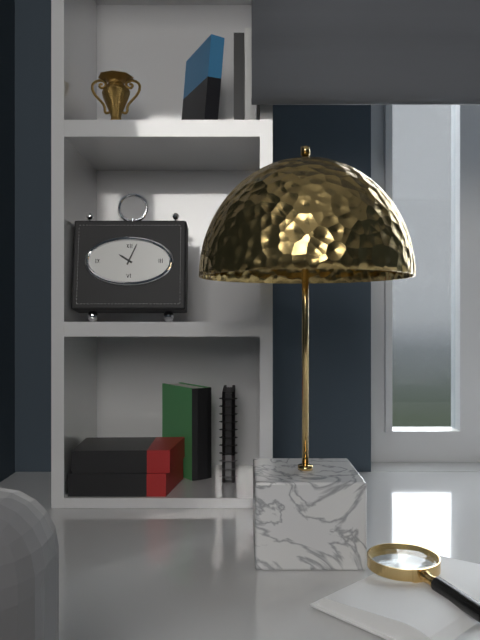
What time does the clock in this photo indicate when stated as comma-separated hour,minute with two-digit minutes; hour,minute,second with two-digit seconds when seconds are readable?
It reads 10,04
